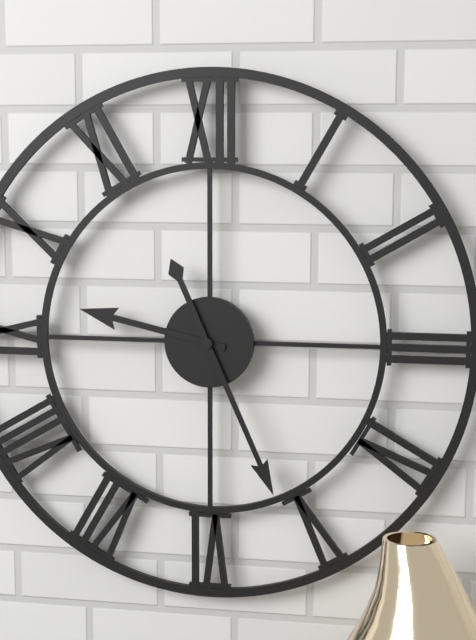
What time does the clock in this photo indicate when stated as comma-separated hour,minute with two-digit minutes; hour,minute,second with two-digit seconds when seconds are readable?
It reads 9,26
